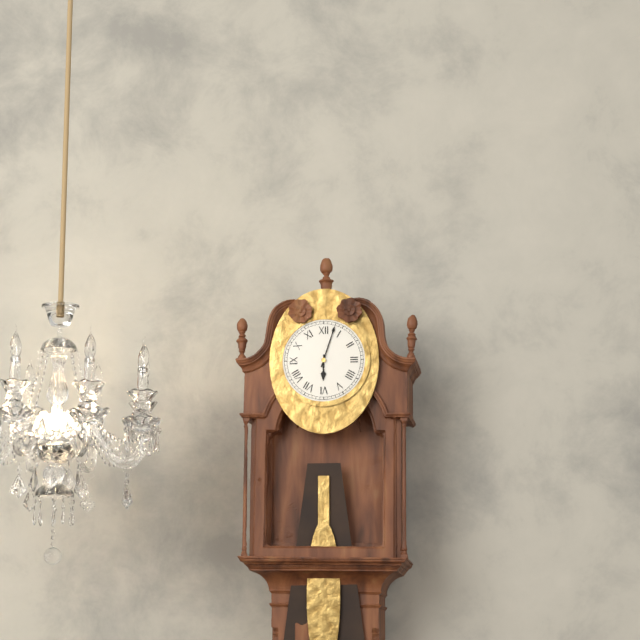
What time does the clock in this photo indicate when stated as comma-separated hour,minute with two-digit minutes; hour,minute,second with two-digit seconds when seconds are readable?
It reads 6,03
